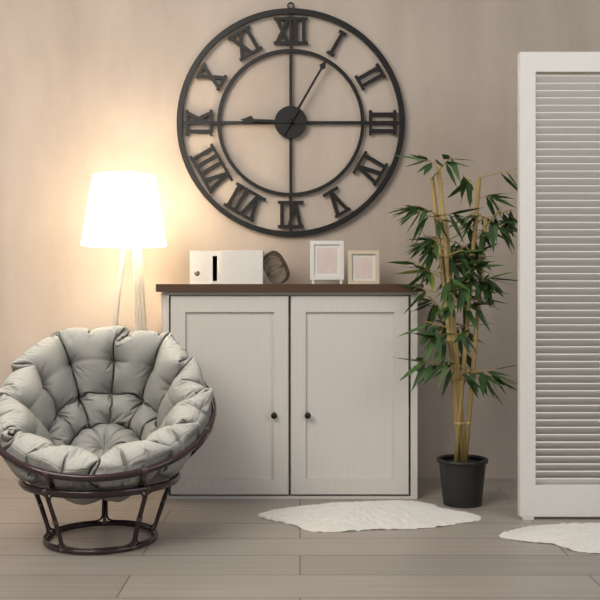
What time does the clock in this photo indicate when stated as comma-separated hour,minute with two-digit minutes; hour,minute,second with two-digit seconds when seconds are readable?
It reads 9,05
